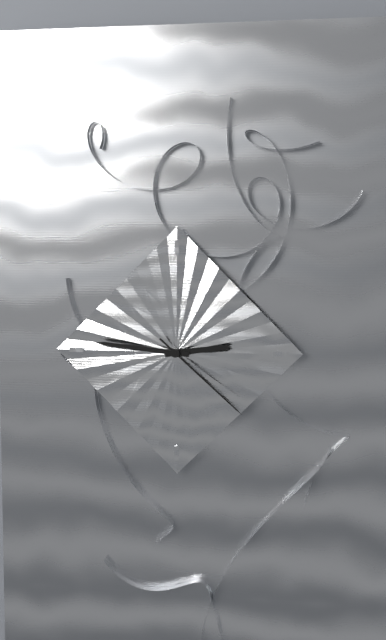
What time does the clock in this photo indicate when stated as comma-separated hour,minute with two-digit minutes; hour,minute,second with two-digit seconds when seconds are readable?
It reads 2,46,22
